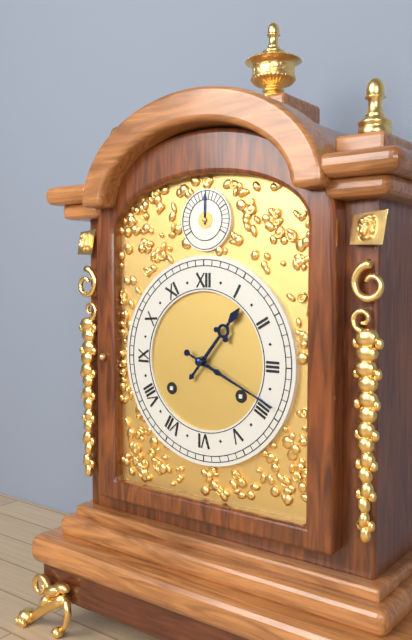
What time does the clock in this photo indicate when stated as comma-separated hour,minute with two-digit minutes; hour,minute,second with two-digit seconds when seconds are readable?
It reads 1,19
